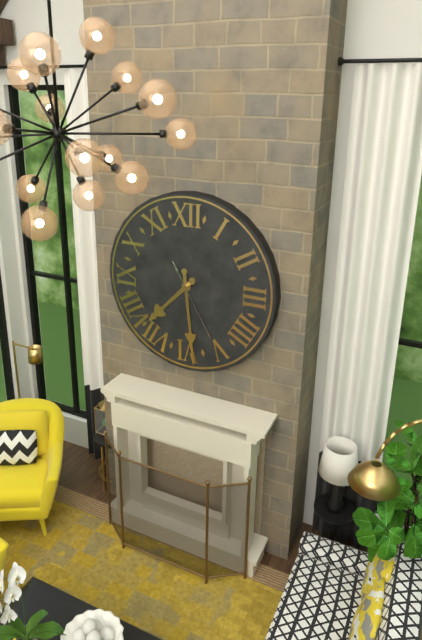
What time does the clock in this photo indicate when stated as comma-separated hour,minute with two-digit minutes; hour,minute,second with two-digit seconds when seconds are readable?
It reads 7,29,25
